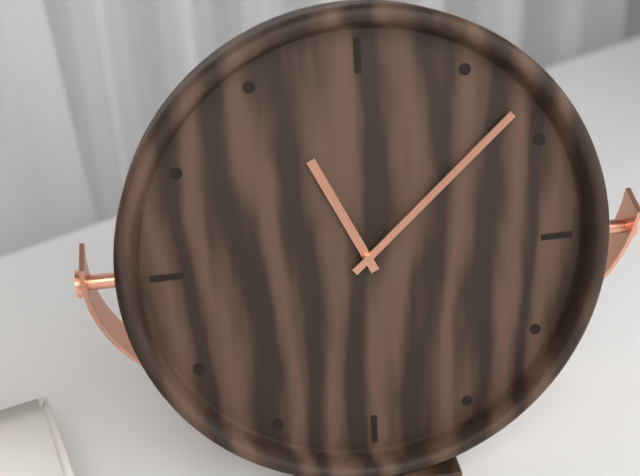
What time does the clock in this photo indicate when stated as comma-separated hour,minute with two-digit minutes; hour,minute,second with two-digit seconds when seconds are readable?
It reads 11,08
